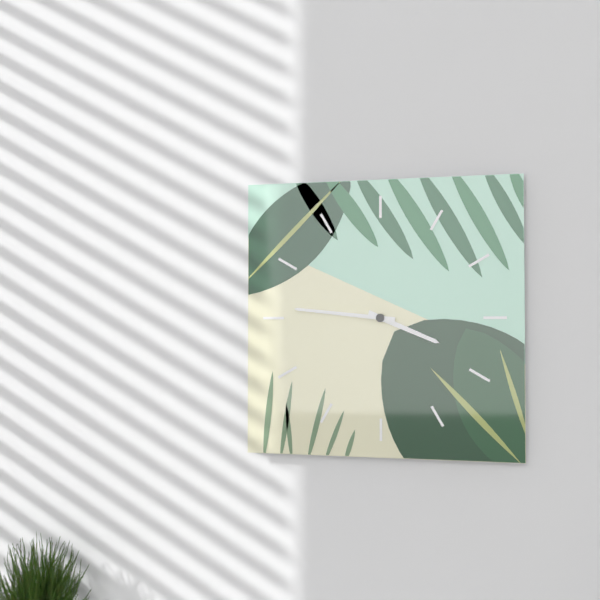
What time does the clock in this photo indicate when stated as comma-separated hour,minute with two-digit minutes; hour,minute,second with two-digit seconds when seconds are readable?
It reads 3,46
